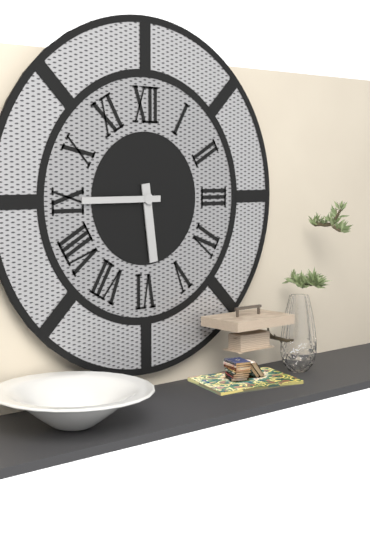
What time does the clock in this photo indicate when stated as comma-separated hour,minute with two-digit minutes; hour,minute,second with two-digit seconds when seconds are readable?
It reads 5,45
